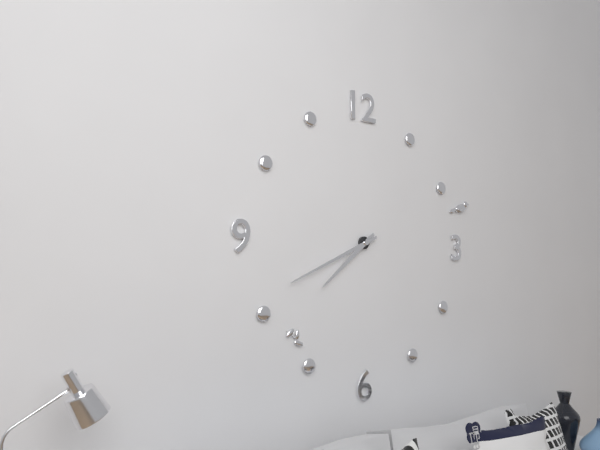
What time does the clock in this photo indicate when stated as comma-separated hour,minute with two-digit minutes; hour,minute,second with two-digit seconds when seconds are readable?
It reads 7,41
